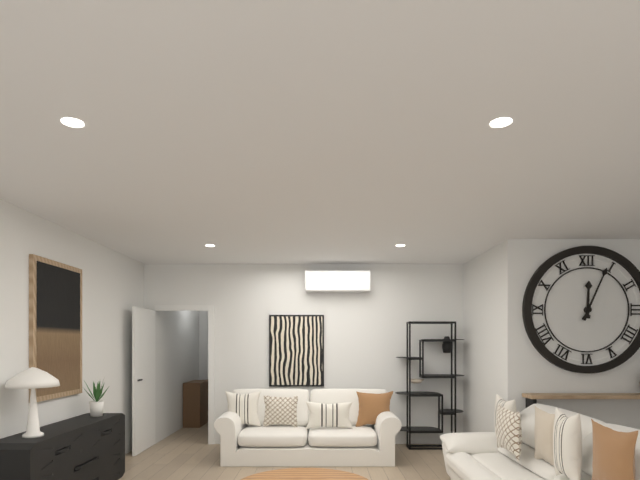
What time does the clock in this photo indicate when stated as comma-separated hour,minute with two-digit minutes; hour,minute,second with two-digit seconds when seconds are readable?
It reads 12,04
